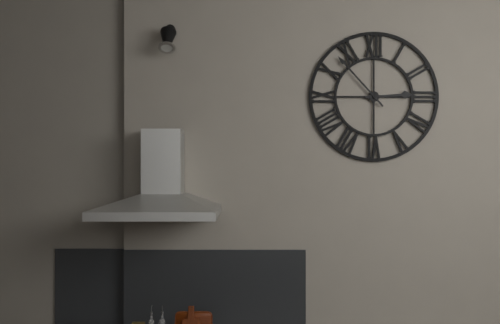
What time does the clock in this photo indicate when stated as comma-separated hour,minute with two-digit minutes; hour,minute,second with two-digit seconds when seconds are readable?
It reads 2,53
